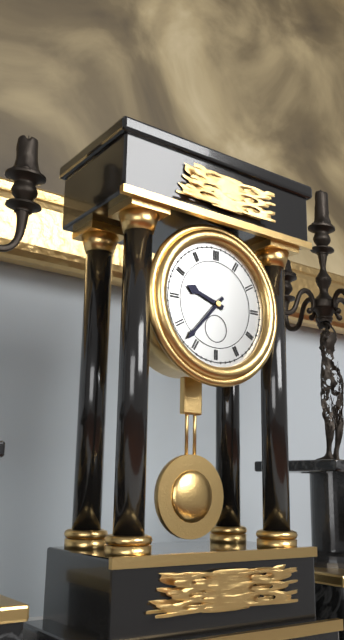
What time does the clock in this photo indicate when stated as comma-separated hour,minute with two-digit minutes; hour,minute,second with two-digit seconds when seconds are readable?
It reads 9,37
